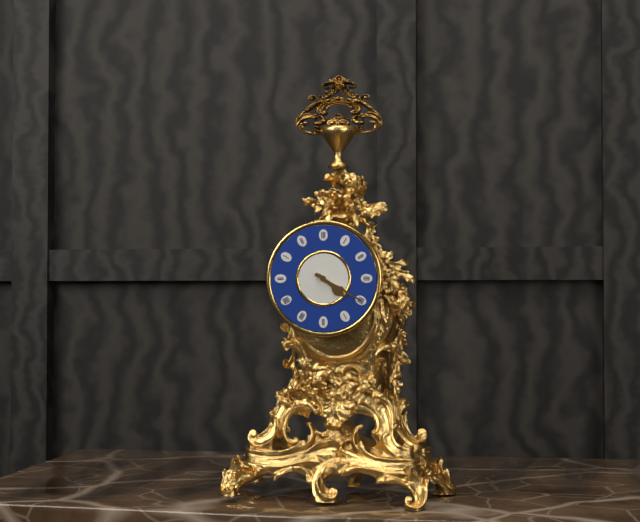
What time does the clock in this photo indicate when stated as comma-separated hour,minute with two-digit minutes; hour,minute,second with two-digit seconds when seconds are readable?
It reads 4,20
